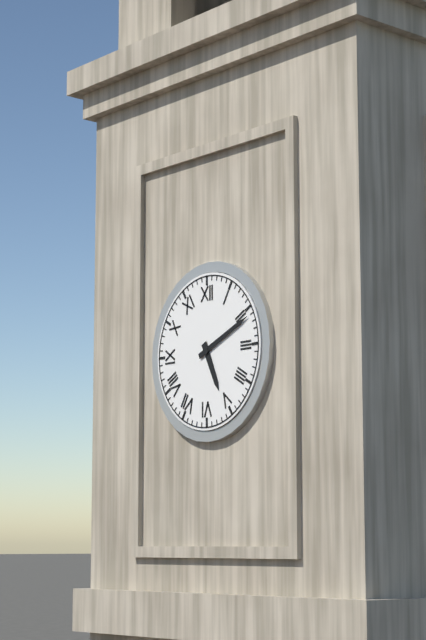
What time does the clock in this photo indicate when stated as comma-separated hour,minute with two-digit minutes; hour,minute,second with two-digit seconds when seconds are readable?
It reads 5,11
